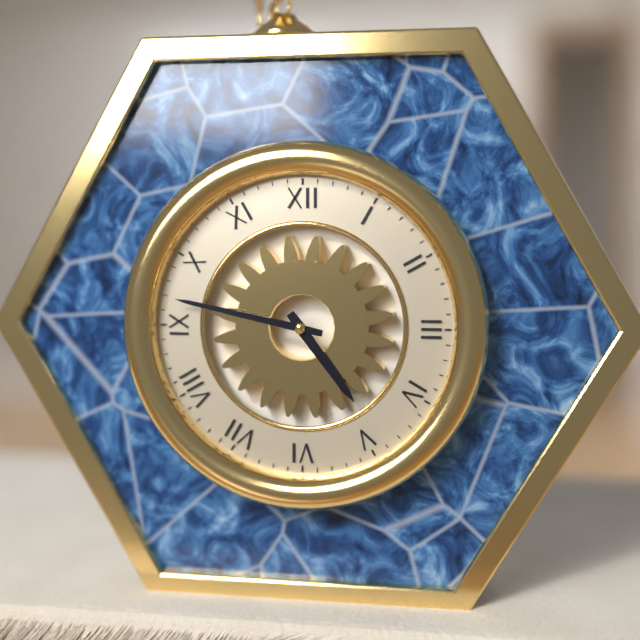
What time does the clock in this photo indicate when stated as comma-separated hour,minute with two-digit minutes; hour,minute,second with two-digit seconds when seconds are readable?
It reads 4,47
